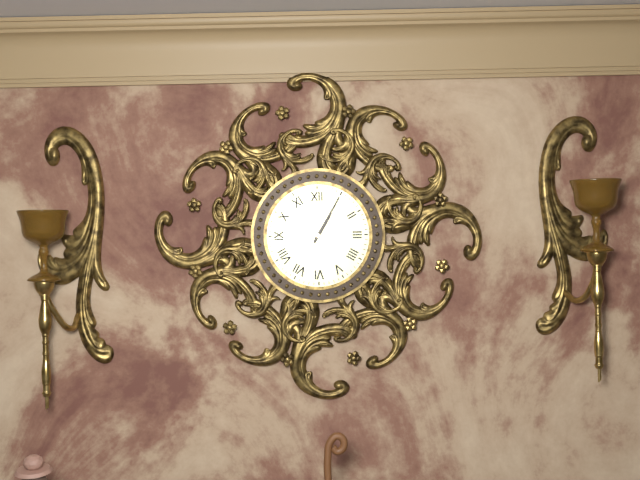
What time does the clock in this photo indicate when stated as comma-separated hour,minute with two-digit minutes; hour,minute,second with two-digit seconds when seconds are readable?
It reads 1,05
